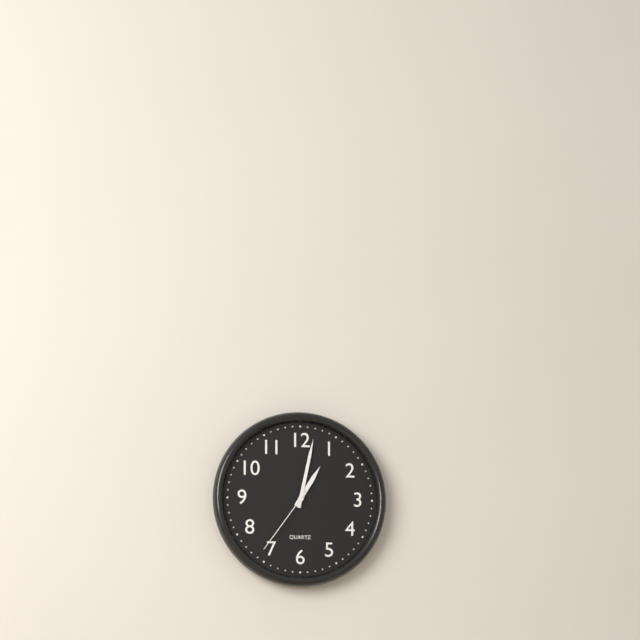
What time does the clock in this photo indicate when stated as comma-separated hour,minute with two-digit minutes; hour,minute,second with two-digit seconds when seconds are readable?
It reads 1,02,36
